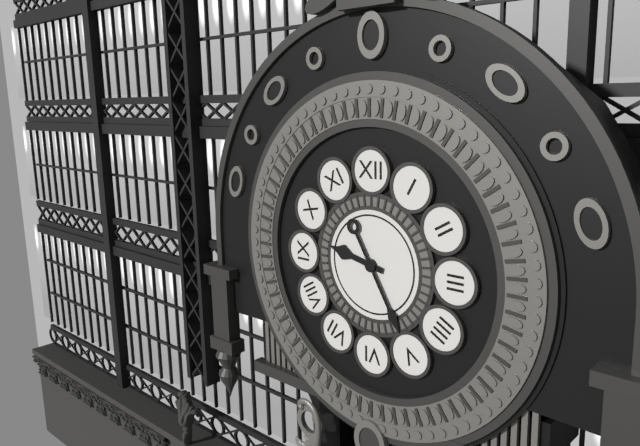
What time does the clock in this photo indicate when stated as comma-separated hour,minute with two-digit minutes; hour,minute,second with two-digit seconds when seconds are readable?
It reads 9,25
